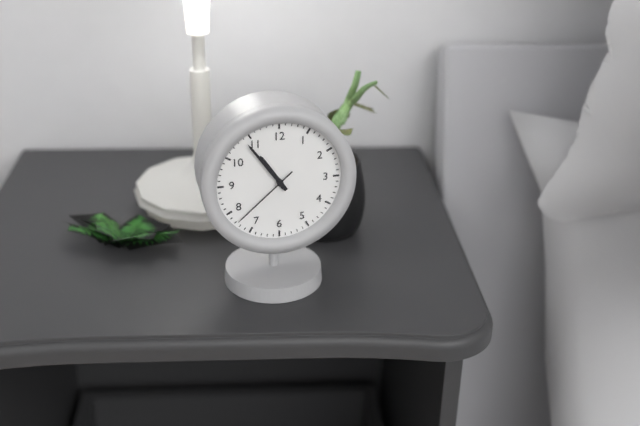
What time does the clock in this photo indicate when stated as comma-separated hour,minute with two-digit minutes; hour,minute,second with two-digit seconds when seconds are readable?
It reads 10,54,38
